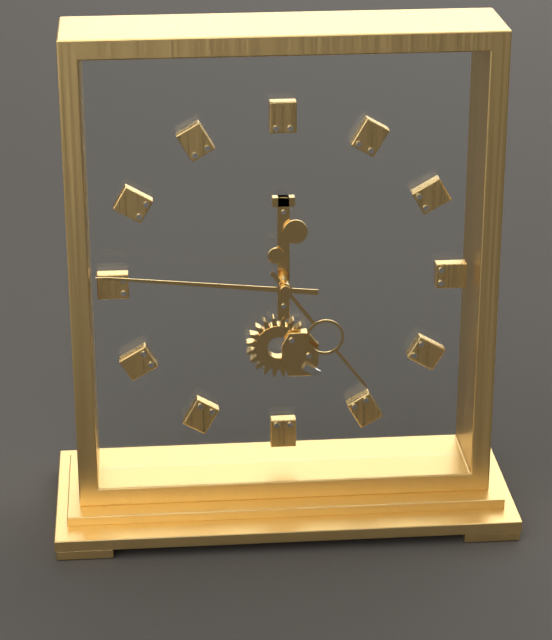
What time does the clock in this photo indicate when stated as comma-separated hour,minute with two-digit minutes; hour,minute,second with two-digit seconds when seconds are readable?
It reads 4,46
